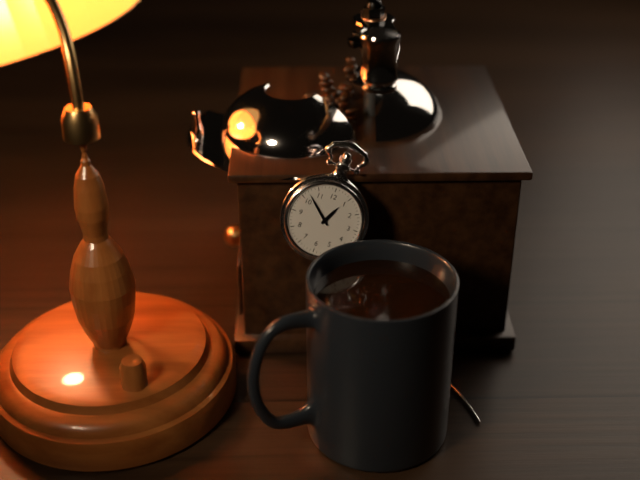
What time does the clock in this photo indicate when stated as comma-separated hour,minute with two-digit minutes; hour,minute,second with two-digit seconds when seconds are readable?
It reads 12,52
